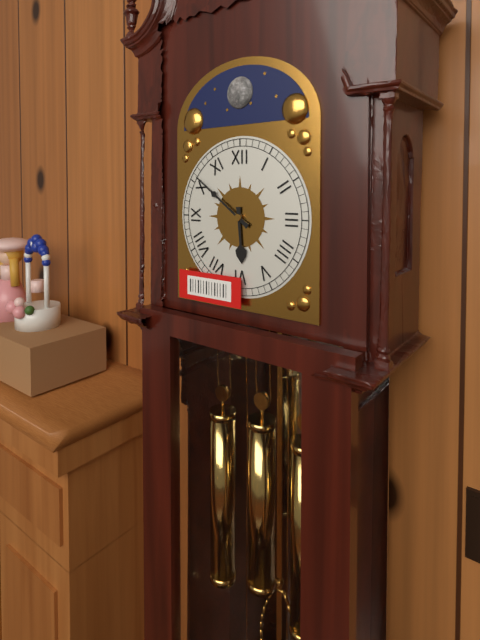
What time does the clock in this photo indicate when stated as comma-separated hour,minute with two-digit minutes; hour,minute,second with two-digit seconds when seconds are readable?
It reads 5,51
